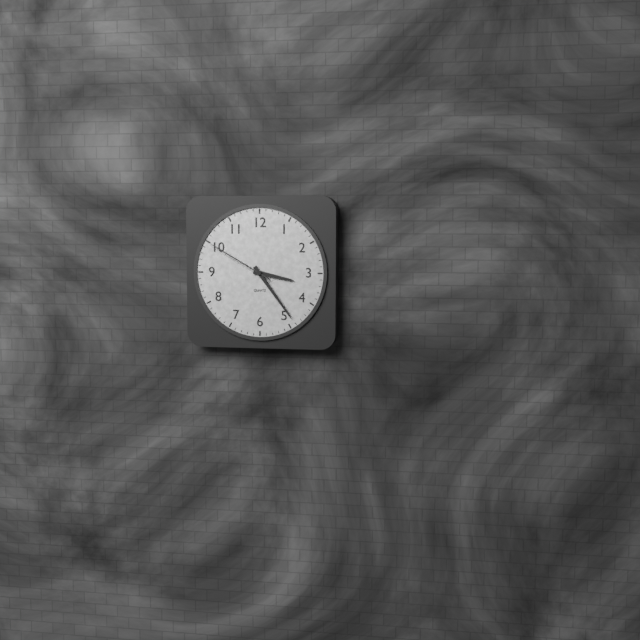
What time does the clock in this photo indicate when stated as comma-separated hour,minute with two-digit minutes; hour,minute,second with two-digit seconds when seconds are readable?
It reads 3,24,50
